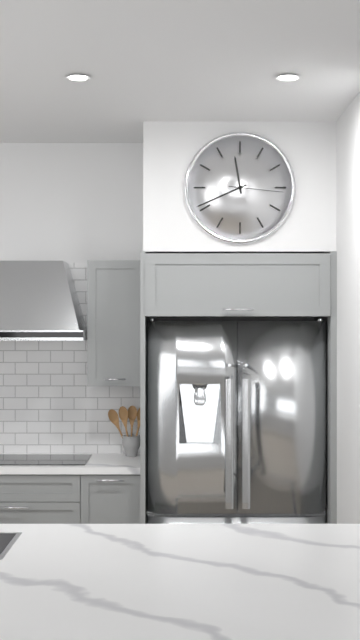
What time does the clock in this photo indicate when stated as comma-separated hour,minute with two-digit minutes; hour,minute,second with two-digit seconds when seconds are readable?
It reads 11,41,16
